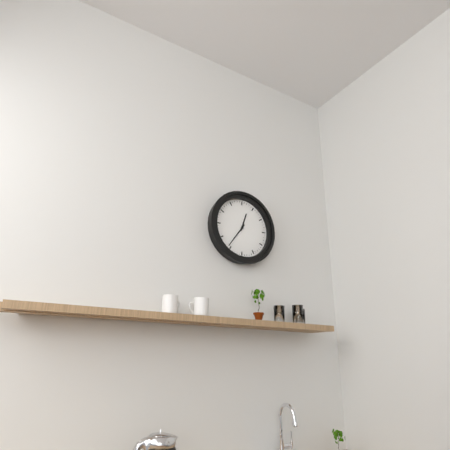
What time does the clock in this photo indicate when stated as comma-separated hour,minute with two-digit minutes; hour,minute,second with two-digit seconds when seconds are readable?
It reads 12,36
